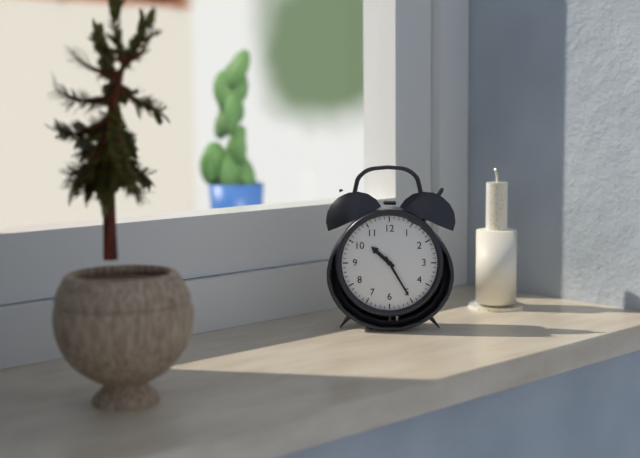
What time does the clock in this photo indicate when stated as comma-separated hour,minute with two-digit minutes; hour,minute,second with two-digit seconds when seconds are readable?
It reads 10,25
